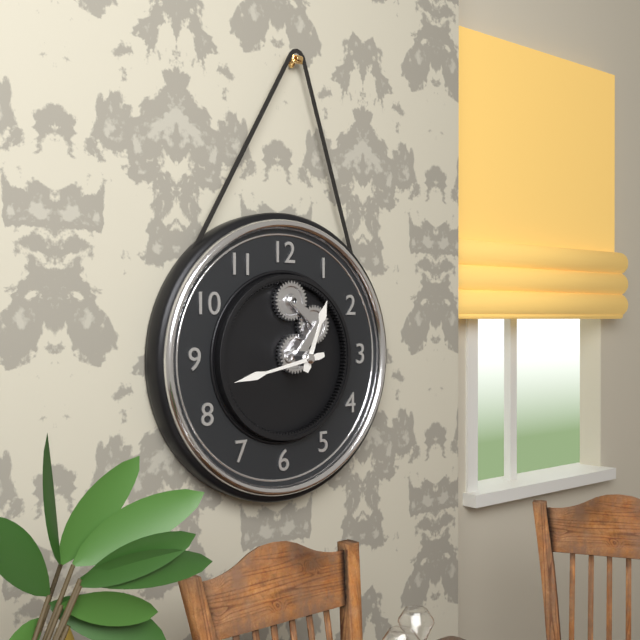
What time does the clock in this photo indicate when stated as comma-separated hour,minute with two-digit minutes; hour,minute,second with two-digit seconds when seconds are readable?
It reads 12,43
